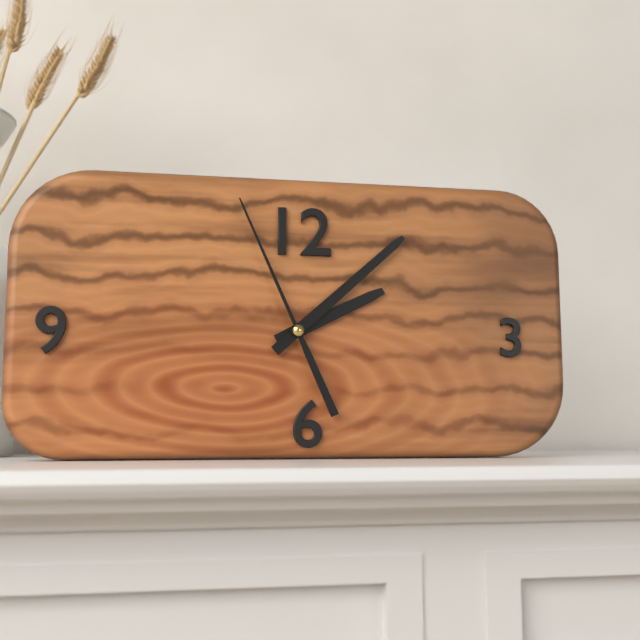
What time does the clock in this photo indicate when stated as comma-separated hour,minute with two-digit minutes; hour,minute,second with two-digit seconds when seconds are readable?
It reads 2,08,56
